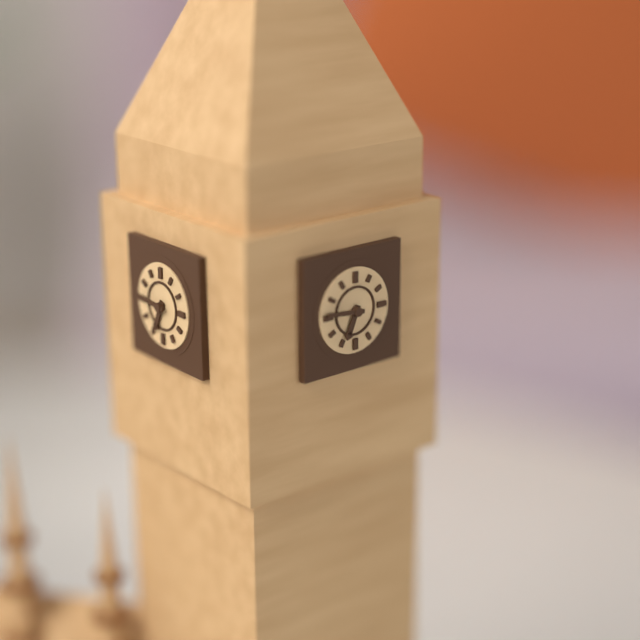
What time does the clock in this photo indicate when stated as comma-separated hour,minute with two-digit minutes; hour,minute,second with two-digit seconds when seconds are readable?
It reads 6,46
